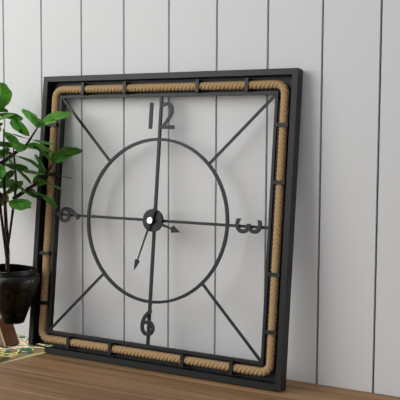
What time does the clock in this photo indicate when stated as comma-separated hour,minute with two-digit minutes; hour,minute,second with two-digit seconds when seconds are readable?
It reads 3,33
